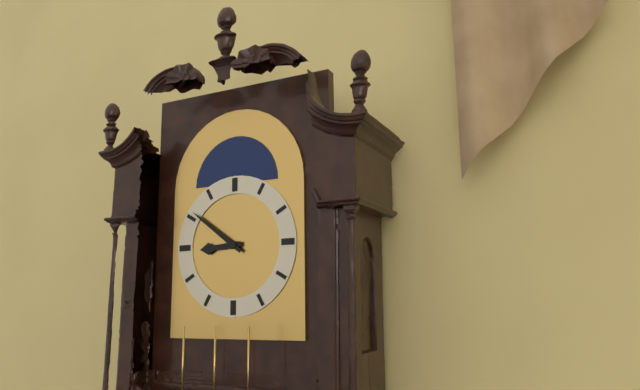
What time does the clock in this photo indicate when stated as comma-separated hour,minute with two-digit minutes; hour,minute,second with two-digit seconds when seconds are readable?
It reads 8,51
